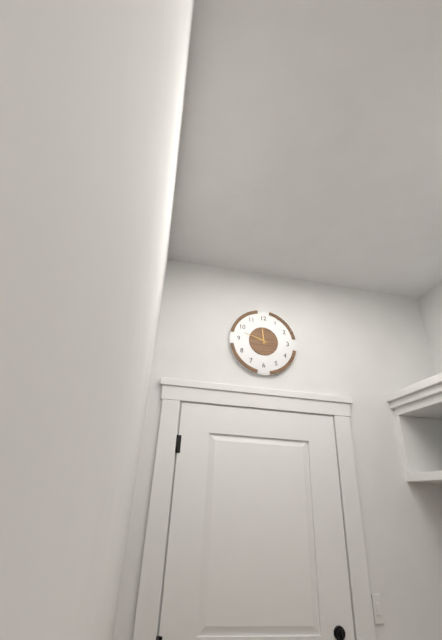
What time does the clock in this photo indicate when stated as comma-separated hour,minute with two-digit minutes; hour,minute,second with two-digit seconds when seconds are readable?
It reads 11,48
